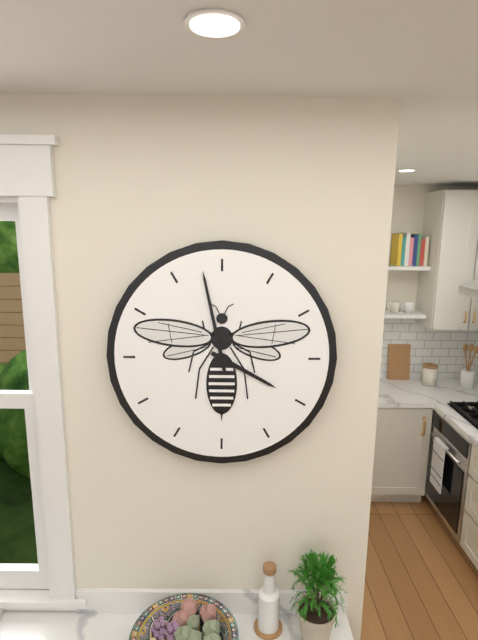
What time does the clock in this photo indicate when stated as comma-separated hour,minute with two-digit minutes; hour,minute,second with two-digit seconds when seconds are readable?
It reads 3,58
